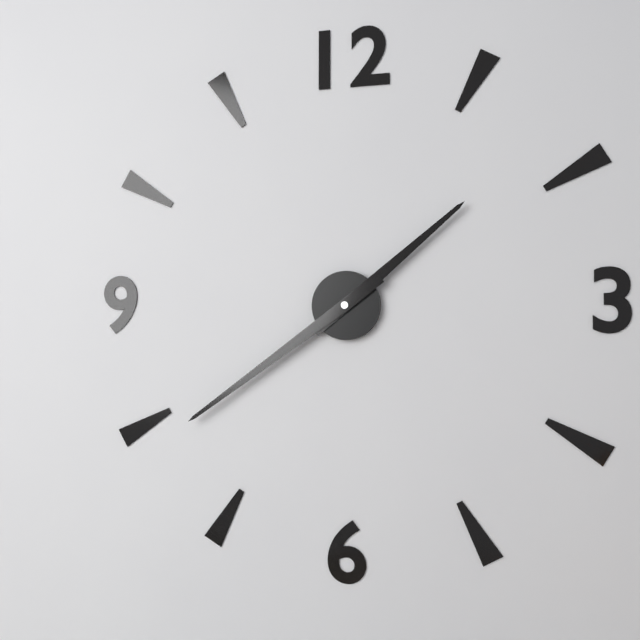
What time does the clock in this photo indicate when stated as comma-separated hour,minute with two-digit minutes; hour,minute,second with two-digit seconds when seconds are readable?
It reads 1,39
